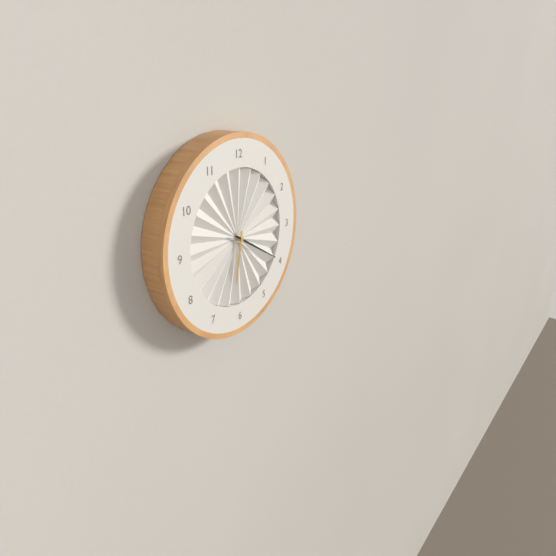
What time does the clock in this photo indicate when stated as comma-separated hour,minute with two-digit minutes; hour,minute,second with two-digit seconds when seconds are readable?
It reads 6,20
